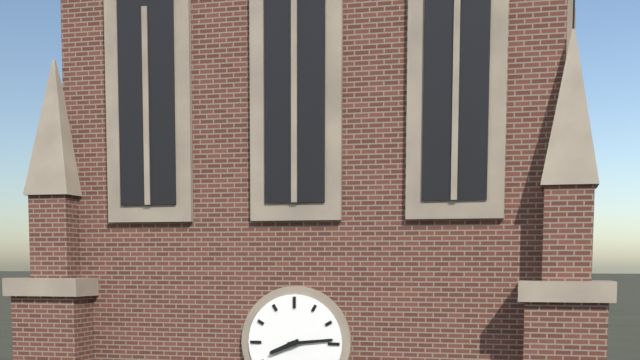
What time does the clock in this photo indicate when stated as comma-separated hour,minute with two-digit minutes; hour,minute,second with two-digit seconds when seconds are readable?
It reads 8,14
